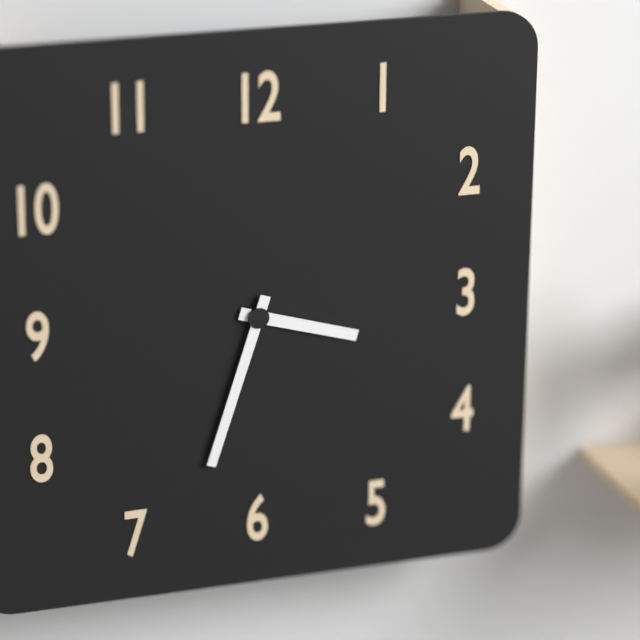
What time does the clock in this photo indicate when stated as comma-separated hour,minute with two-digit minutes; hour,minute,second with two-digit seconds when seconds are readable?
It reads 3,33
